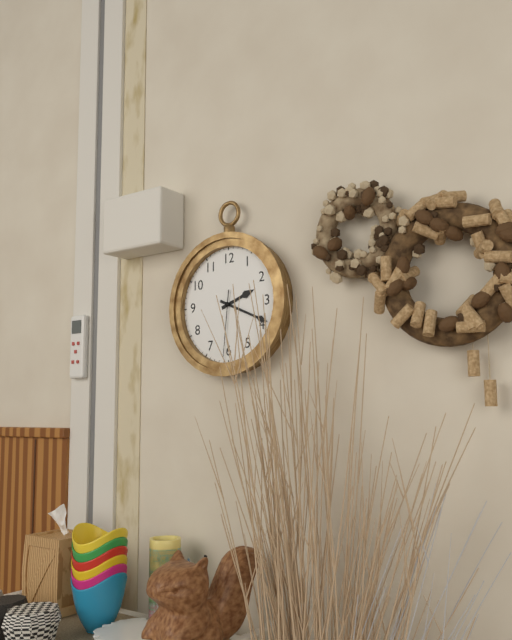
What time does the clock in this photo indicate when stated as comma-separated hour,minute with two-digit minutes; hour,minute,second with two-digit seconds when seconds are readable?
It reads 2,19,31
